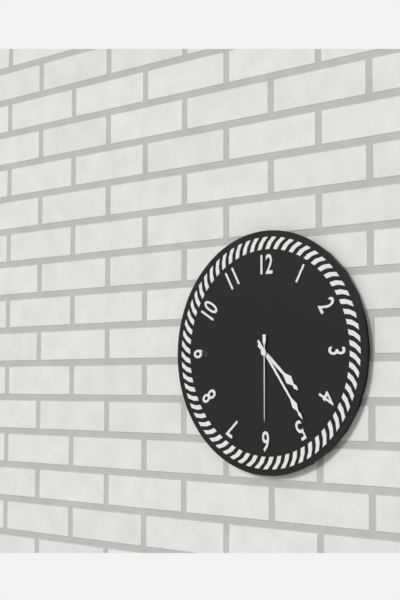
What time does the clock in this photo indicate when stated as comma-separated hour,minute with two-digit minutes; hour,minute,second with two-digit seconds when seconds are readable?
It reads 4,24,30
